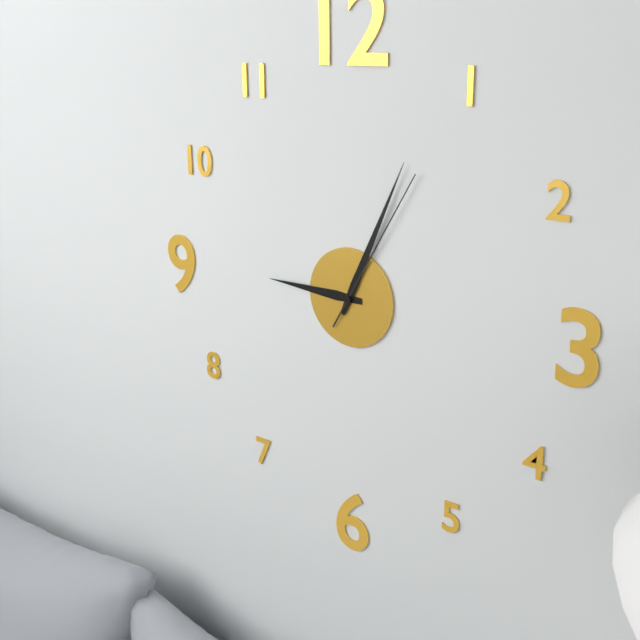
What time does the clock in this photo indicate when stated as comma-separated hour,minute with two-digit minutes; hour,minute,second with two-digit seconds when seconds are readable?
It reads 9,04,05
